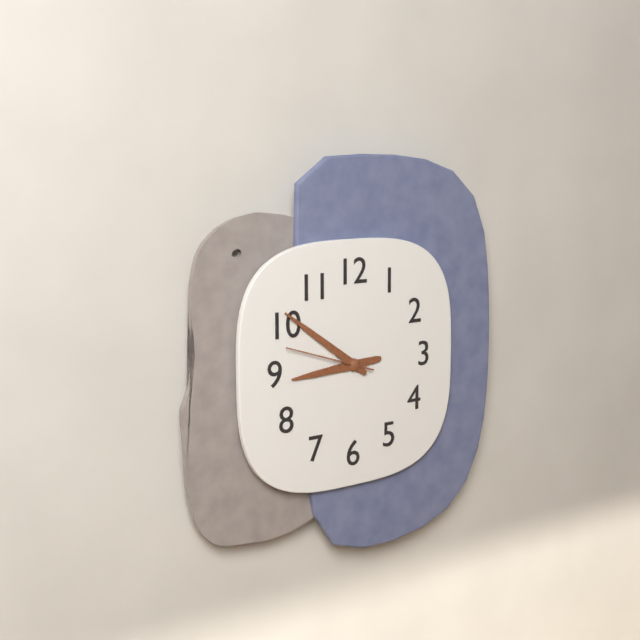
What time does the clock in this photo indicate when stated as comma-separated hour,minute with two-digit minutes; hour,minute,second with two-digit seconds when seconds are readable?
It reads 8,51,48
